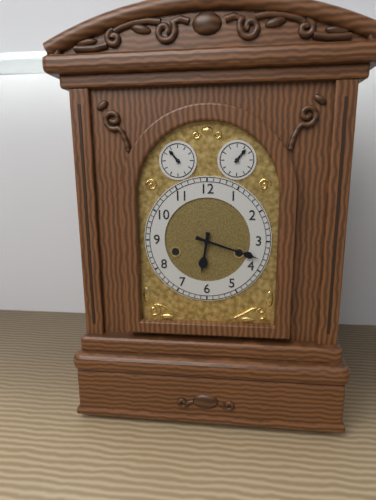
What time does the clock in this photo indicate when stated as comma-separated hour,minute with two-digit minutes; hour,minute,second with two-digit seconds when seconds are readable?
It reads 6,18
